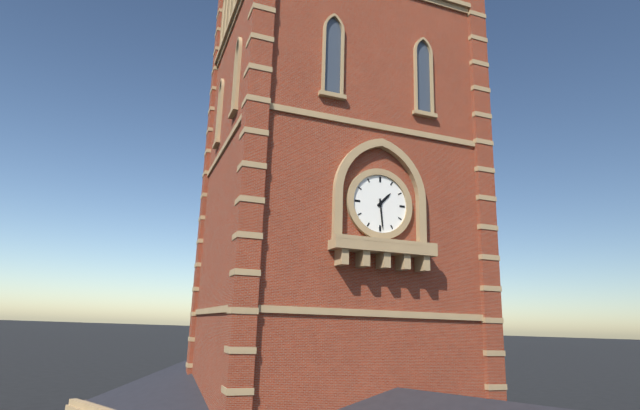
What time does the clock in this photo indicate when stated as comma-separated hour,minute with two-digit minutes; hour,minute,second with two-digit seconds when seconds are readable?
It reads 1,29
